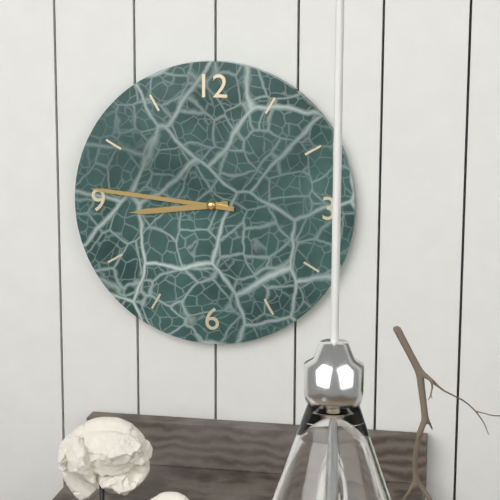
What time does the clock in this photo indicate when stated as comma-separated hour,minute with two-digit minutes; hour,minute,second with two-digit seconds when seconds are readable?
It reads 8,46
